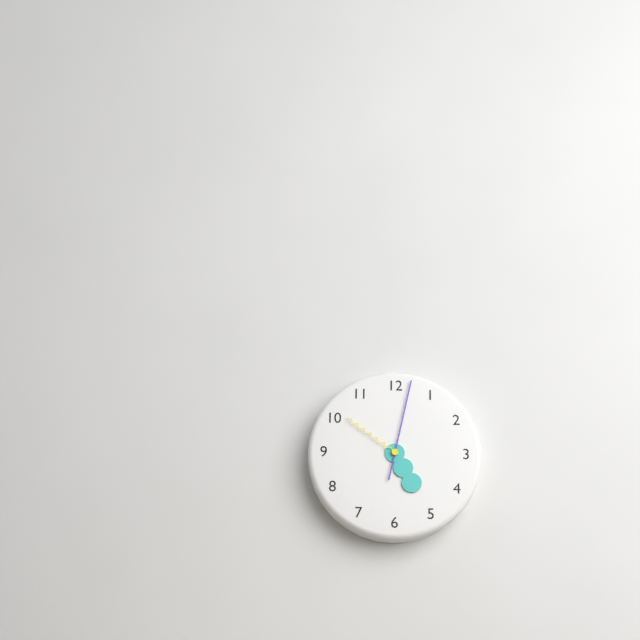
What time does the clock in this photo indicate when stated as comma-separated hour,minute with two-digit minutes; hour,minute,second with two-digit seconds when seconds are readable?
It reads 5,02,51
